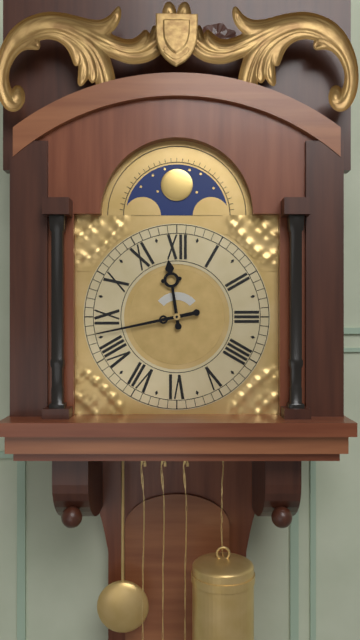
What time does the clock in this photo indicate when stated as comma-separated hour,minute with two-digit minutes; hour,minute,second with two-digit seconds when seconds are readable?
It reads 11,43
